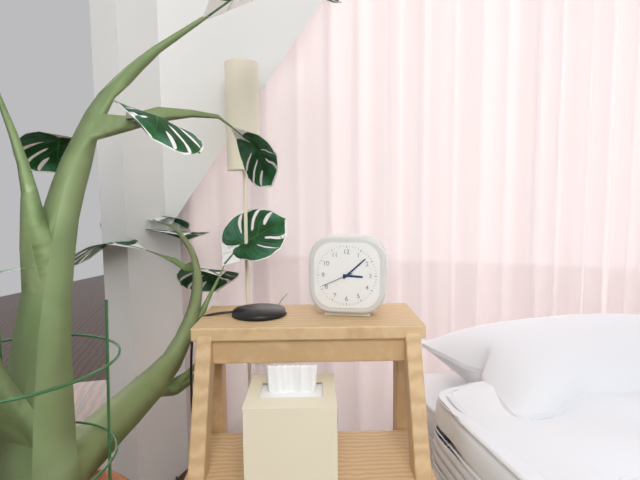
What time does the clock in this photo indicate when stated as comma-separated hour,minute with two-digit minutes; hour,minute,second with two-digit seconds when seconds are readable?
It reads 3,08
